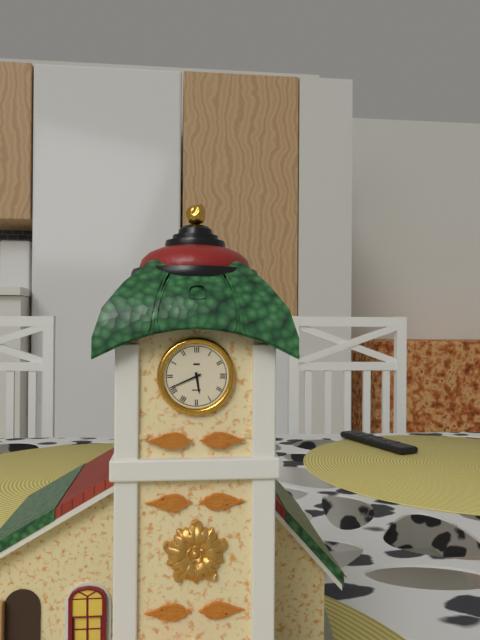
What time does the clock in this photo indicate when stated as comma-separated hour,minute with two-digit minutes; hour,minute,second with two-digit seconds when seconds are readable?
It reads 5,41
